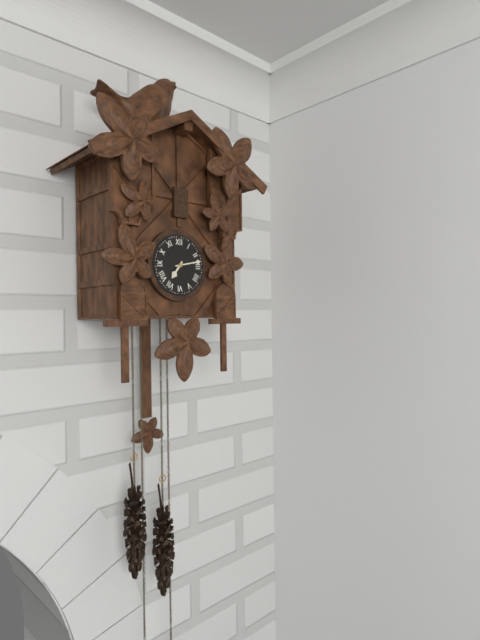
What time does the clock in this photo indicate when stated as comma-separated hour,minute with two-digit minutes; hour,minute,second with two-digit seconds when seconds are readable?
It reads 7,13
